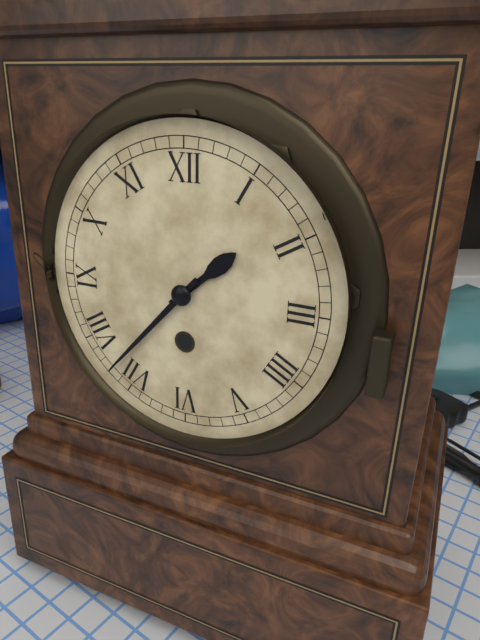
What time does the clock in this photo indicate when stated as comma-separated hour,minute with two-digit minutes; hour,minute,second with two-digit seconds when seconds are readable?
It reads 1,37
